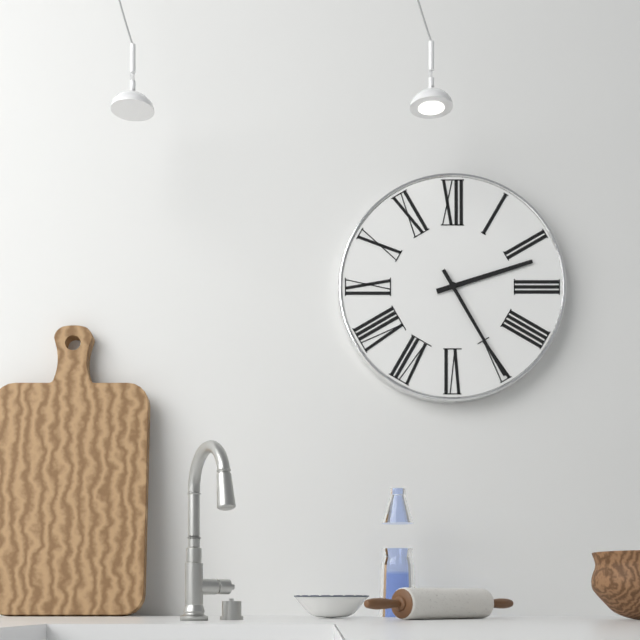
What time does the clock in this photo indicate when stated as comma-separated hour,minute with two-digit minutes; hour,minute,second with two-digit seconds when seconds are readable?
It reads 2,25
